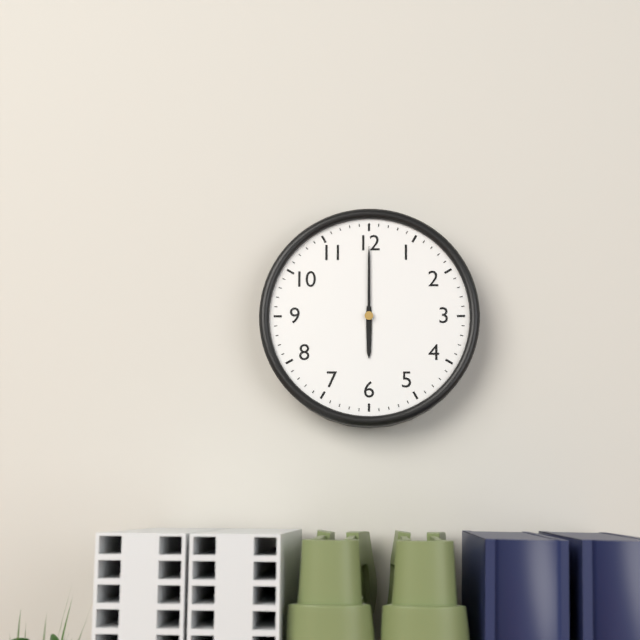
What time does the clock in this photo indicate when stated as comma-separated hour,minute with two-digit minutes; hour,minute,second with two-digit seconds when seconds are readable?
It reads 6,00
